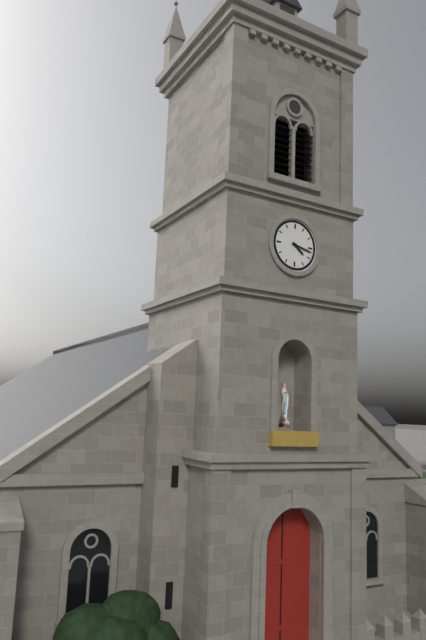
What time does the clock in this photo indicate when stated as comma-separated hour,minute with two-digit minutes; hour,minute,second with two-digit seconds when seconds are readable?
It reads 4,17
